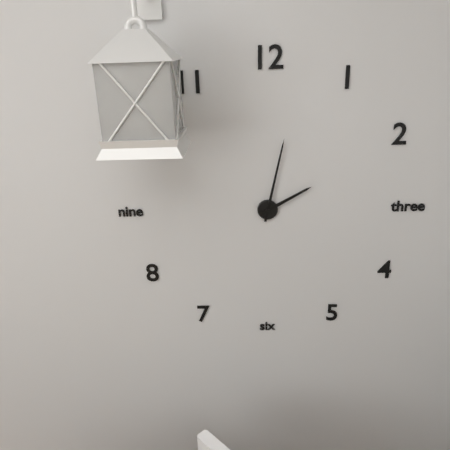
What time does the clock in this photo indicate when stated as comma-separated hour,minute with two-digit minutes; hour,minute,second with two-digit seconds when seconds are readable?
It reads 2,02
